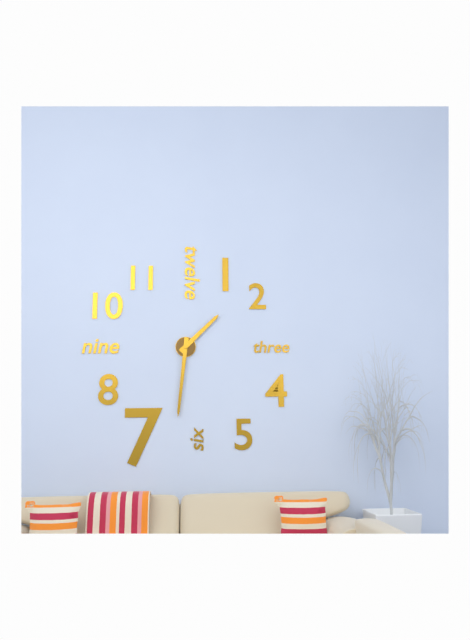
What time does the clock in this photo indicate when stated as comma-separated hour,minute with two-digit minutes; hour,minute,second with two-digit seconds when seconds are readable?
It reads 1,31
